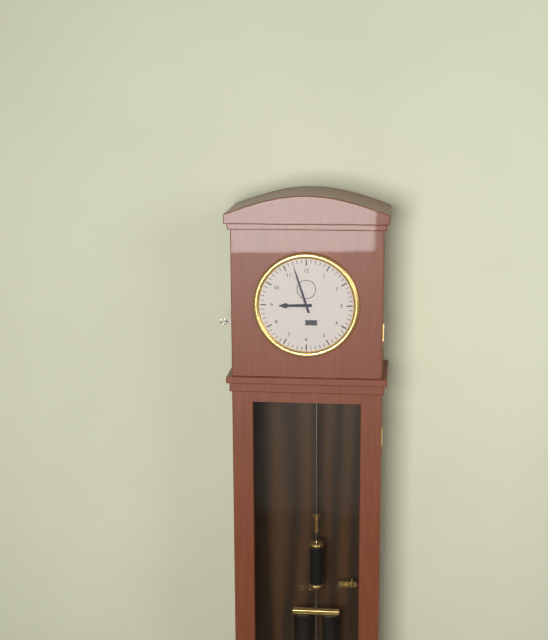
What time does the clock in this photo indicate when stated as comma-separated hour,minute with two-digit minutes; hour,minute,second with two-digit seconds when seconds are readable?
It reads 8,57
